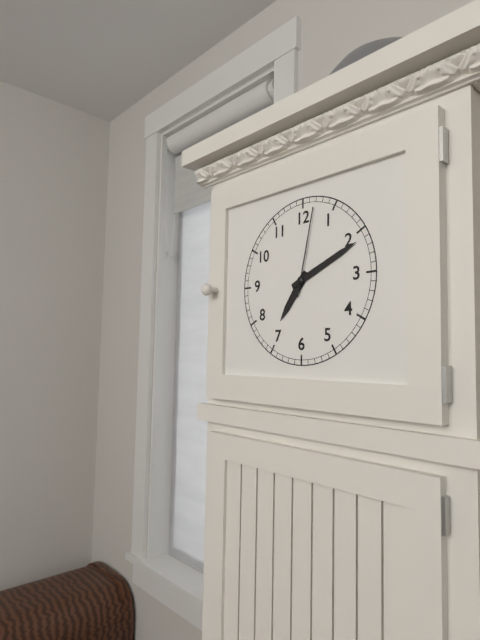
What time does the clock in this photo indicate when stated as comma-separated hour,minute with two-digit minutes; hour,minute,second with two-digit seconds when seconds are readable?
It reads 7,11,02
